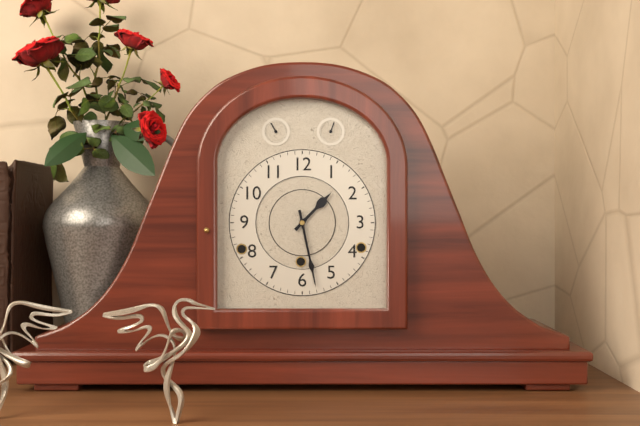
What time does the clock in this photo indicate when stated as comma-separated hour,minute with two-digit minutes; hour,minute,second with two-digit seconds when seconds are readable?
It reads 1,28
